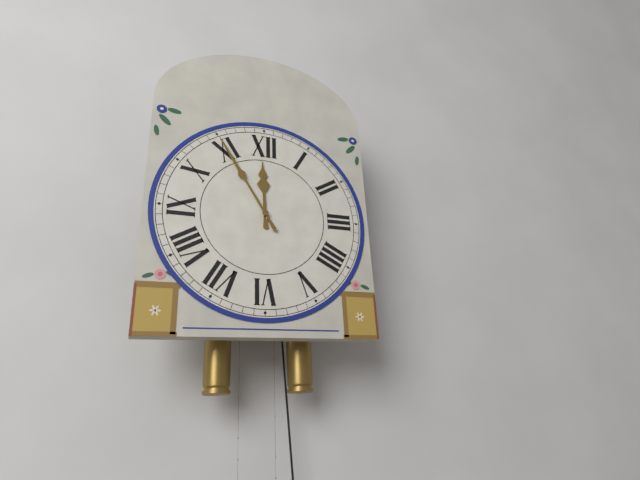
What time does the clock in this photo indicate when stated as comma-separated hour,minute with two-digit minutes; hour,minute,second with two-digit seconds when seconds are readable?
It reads 11,55
